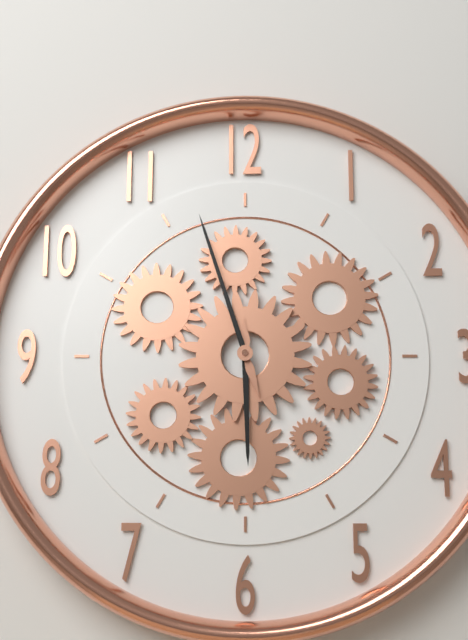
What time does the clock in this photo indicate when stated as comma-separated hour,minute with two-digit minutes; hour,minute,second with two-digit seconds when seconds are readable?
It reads 5,57
